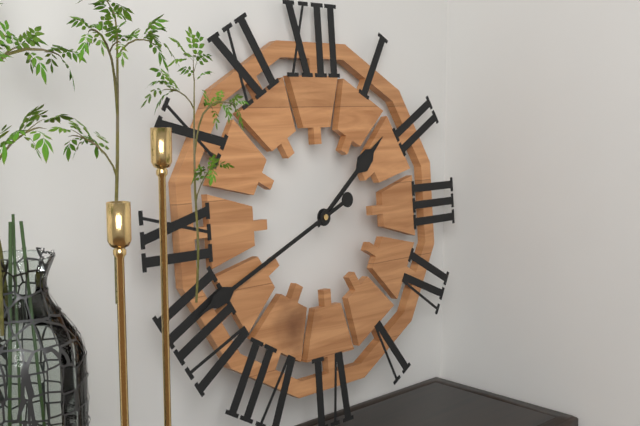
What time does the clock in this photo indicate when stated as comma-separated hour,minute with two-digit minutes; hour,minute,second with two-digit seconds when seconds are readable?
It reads 1,41
